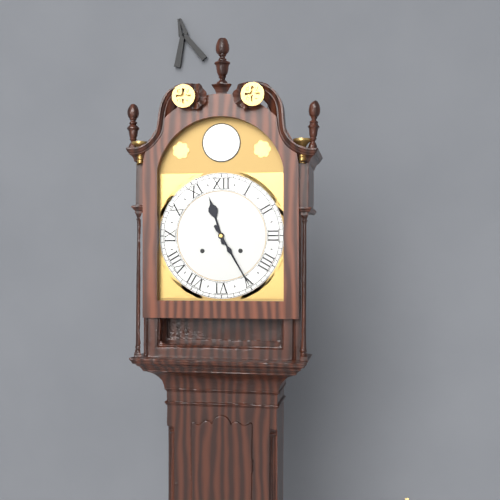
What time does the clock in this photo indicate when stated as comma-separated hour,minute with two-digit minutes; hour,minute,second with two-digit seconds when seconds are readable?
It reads 11,25
